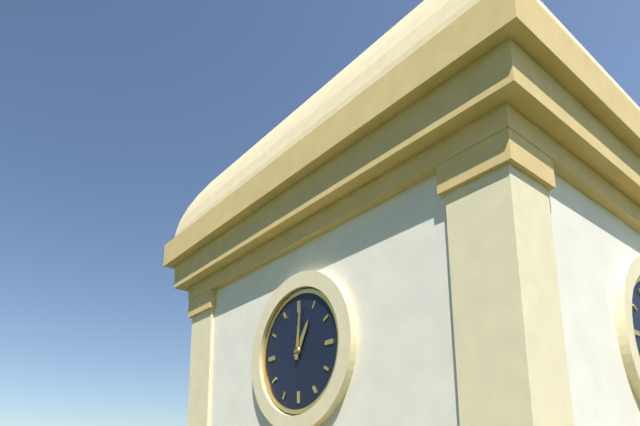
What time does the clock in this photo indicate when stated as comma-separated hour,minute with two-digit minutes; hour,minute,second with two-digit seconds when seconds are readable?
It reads 1,01
